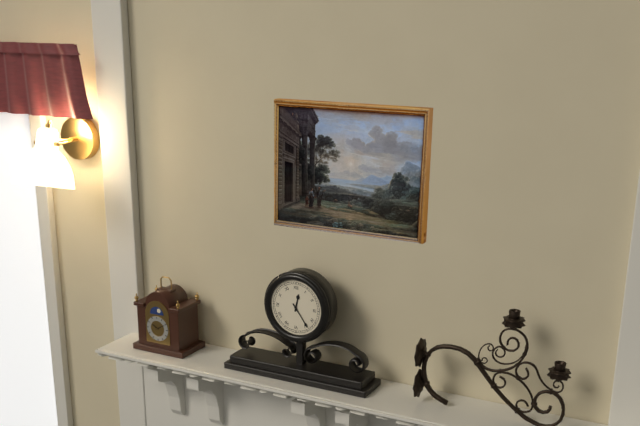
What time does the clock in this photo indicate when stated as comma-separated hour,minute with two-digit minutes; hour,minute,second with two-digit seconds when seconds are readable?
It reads 12,24
